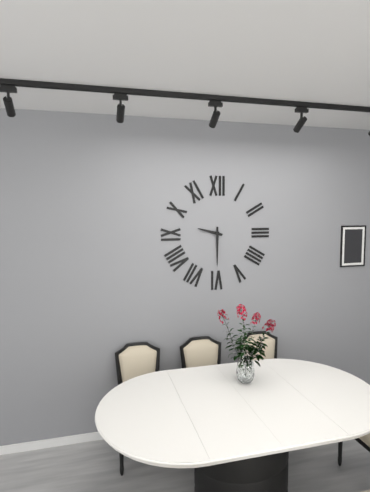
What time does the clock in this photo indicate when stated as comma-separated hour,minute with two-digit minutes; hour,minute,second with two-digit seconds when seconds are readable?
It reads 9,30
